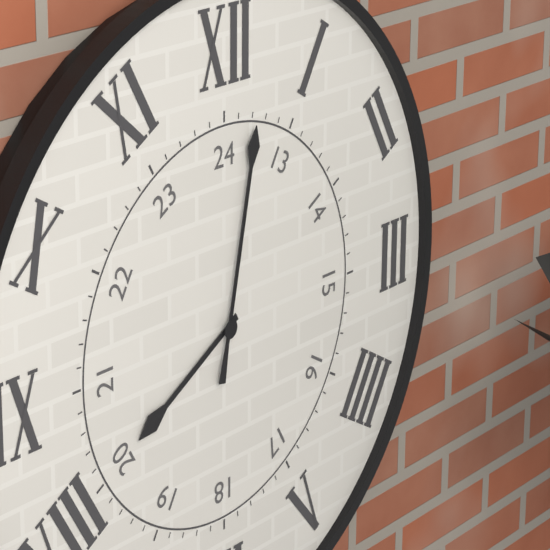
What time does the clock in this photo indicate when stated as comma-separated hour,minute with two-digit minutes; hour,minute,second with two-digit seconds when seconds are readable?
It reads 8,02
